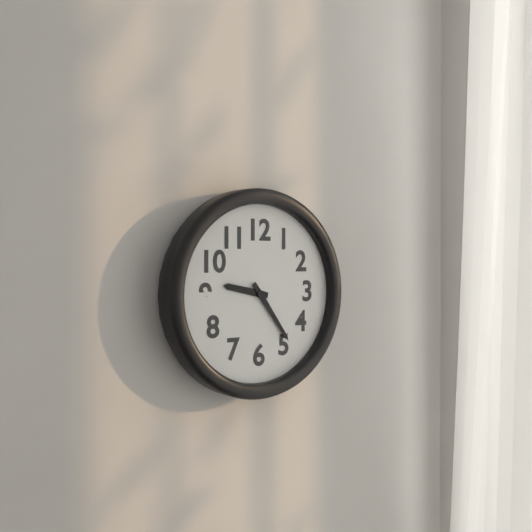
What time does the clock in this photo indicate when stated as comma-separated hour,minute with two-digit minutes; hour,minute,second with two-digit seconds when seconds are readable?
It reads 9,24
